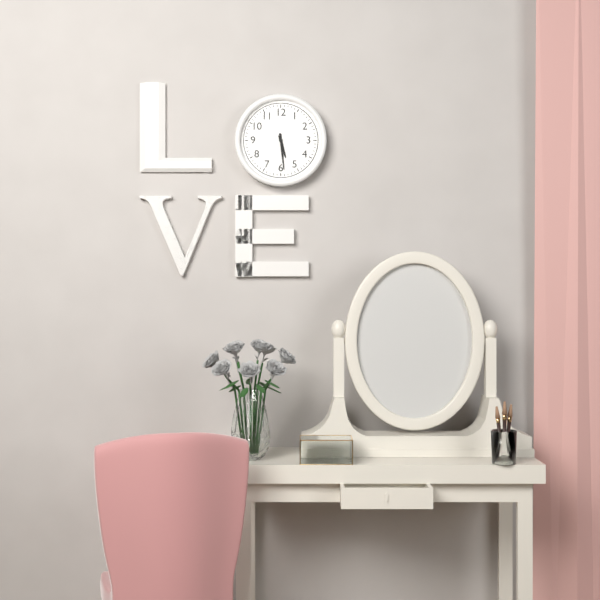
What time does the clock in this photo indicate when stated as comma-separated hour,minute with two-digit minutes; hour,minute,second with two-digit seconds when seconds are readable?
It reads 5,29
